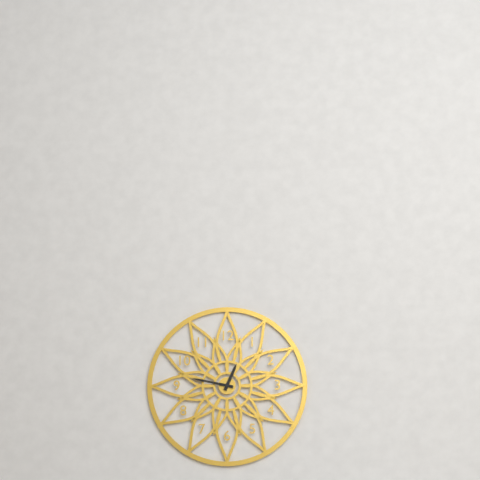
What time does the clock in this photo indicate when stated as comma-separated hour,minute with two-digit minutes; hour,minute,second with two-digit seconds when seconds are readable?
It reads 12,47
